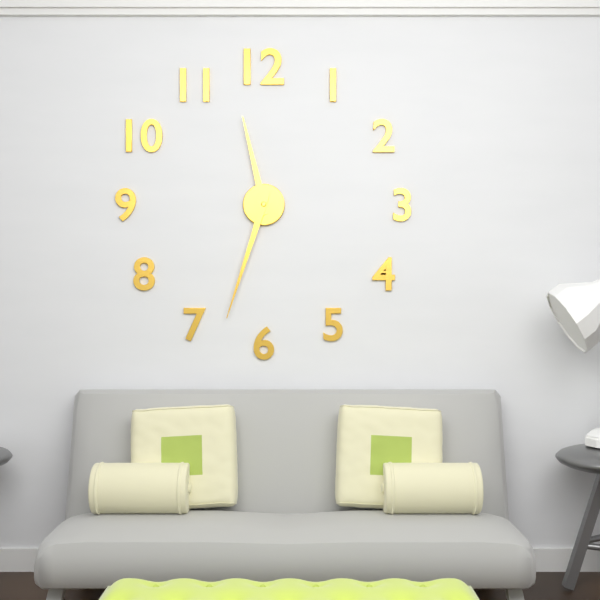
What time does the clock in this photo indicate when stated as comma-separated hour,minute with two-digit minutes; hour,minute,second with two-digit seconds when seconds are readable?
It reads 11,33
